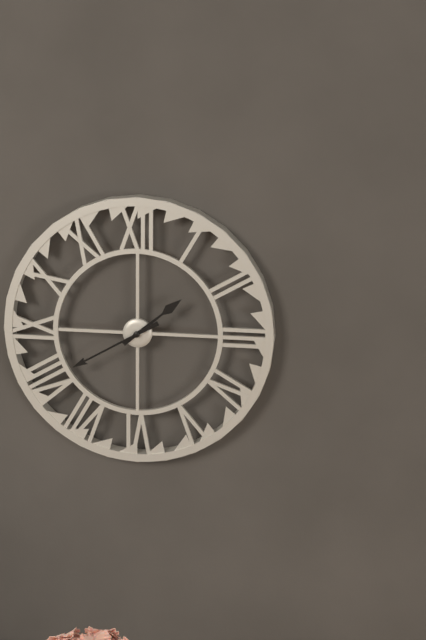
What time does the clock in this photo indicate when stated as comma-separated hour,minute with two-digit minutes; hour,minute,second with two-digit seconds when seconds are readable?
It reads 1,40
